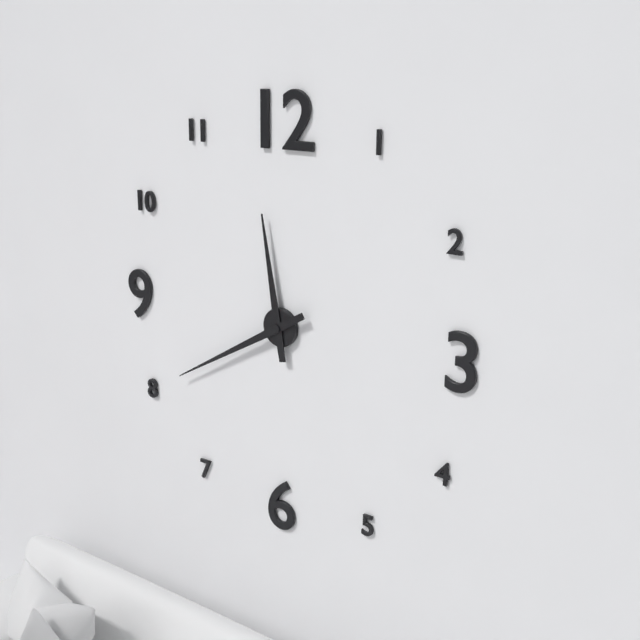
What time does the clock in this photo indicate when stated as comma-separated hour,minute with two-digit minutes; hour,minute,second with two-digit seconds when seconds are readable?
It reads 11,40
